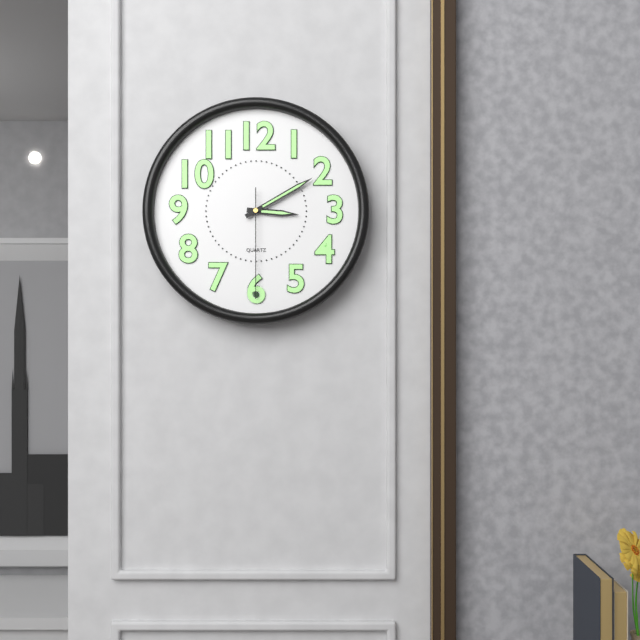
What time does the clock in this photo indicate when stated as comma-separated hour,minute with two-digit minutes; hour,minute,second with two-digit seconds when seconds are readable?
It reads 3,10,30
